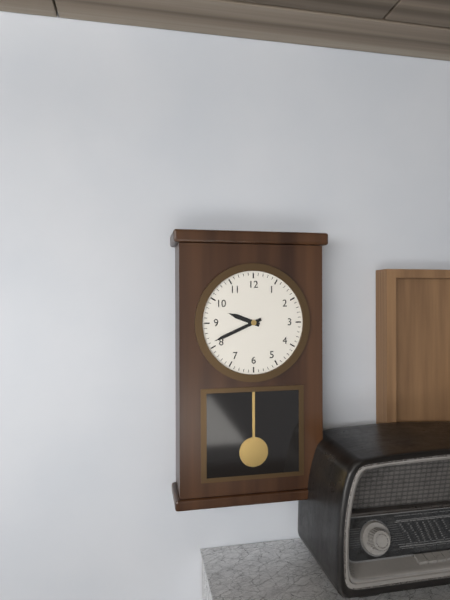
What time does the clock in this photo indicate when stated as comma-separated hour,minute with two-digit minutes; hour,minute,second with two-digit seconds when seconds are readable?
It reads 9,41
